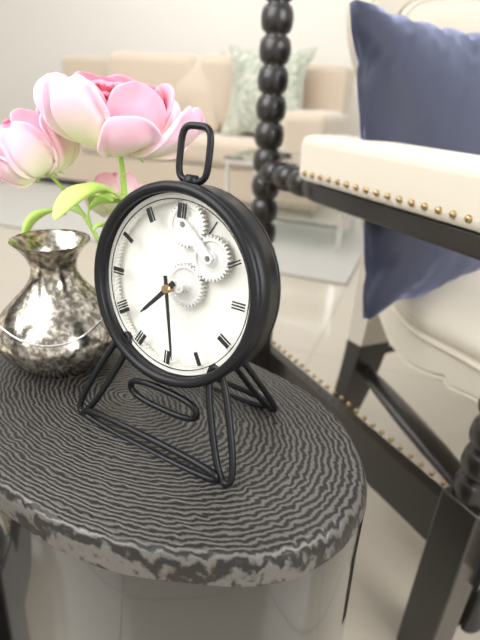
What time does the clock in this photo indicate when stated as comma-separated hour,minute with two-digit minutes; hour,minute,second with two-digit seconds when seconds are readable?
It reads 7,28
